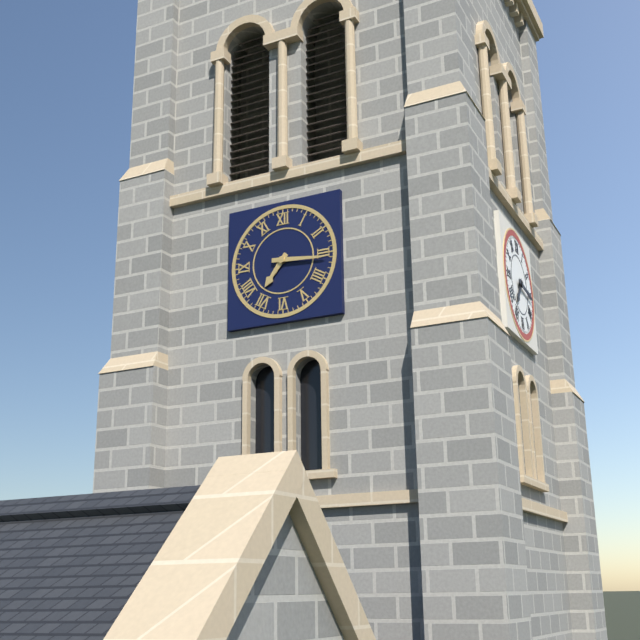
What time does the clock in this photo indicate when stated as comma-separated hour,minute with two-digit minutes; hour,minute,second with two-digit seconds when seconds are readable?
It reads 7,16
